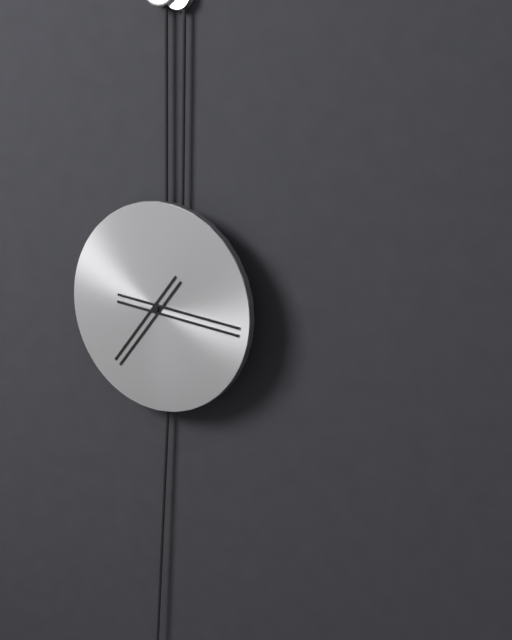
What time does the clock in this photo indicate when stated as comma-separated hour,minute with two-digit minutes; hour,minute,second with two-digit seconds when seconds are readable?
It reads 7,16
